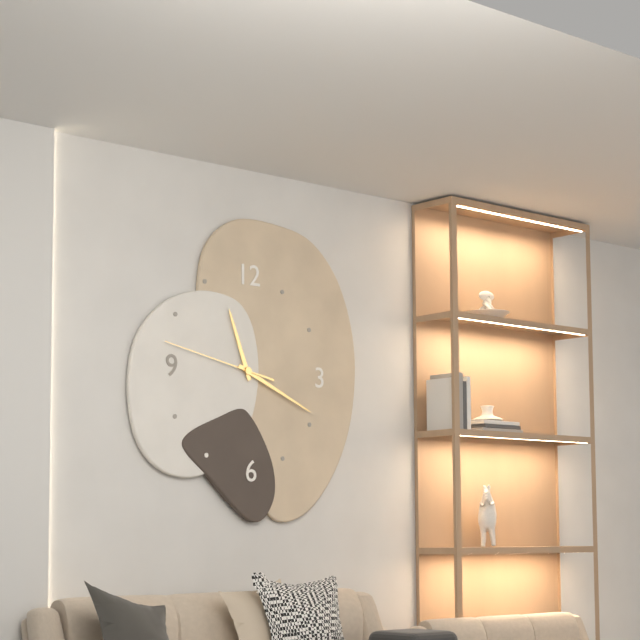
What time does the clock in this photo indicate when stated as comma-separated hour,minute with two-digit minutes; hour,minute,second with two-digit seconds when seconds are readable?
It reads 11,19,47
